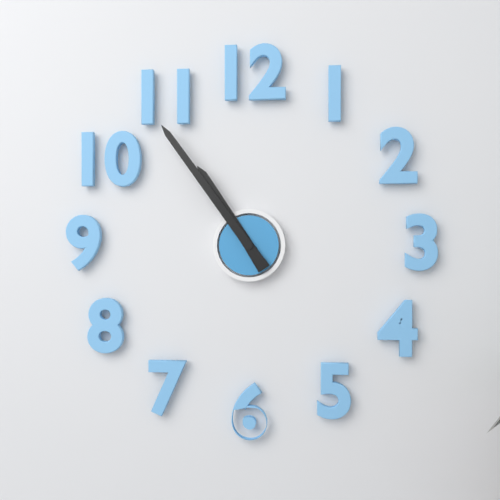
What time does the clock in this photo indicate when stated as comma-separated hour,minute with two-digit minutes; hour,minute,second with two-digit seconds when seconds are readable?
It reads 10,54
